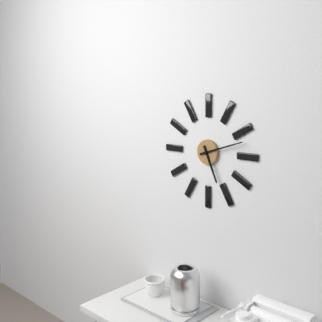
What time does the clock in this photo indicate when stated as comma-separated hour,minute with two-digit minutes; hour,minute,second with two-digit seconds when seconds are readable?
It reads 5,12
